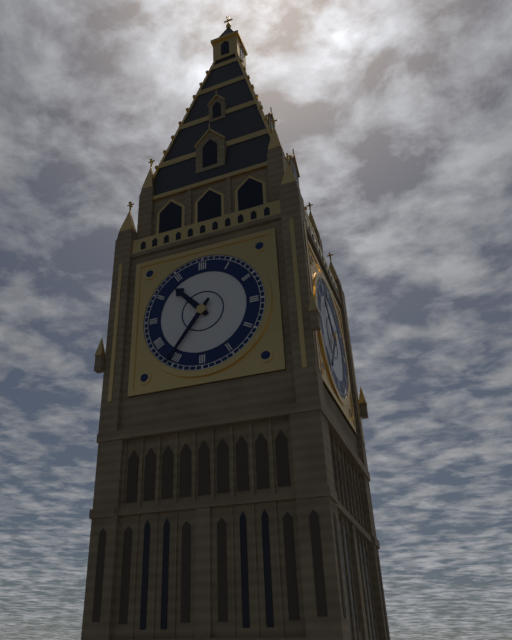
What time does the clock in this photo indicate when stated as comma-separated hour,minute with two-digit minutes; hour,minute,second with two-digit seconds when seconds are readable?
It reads 10,36
